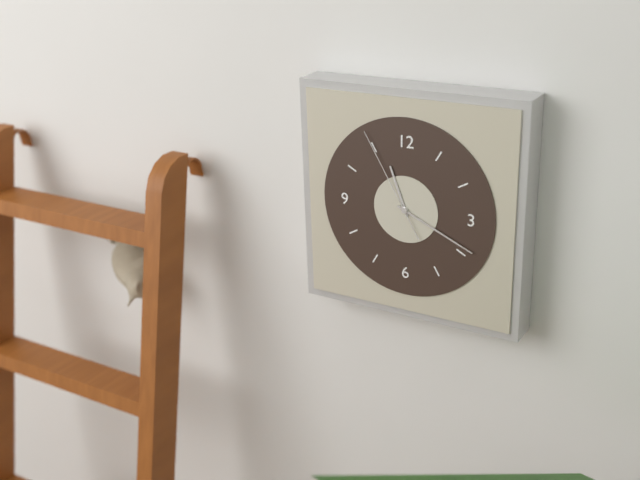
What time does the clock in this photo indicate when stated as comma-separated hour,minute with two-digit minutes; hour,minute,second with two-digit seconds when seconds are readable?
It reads 11,19,55
